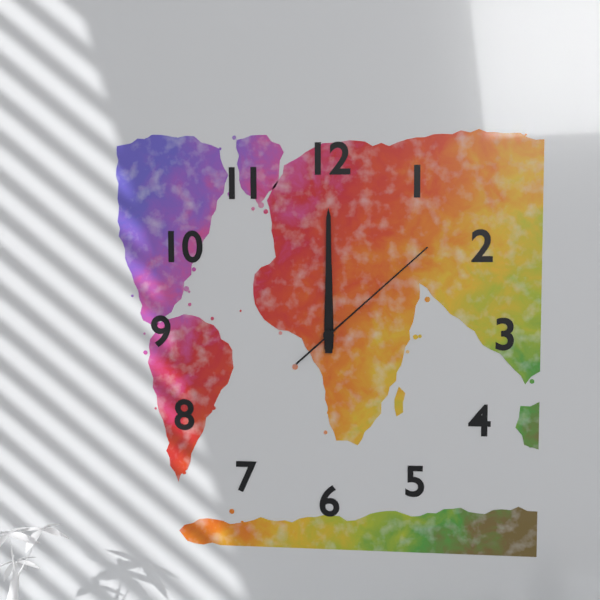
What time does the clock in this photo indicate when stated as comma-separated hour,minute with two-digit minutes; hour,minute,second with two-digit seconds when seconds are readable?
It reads 12,00,08
